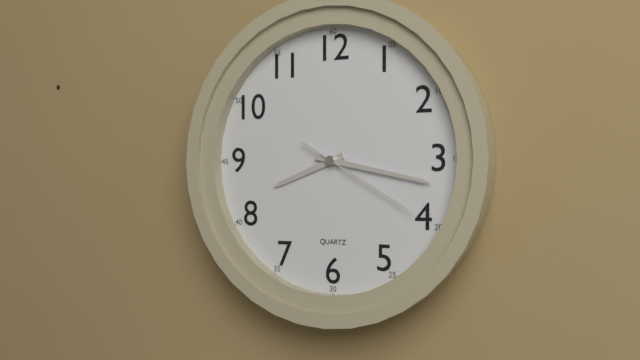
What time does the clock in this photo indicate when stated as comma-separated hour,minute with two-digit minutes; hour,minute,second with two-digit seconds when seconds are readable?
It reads 8,17,20
